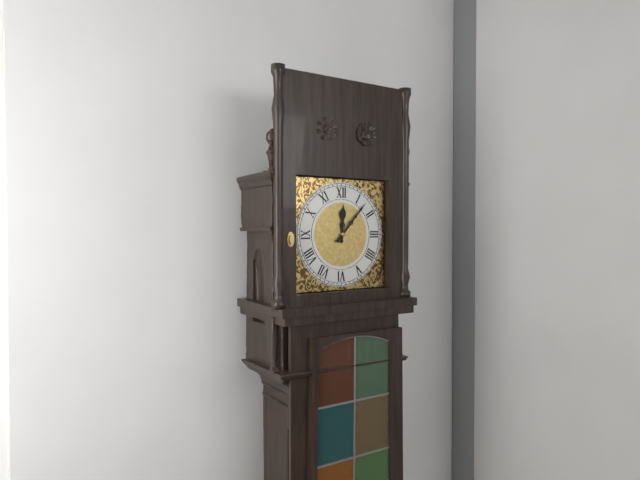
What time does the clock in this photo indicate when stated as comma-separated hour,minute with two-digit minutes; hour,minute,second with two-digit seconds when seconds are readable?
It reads 12,07
